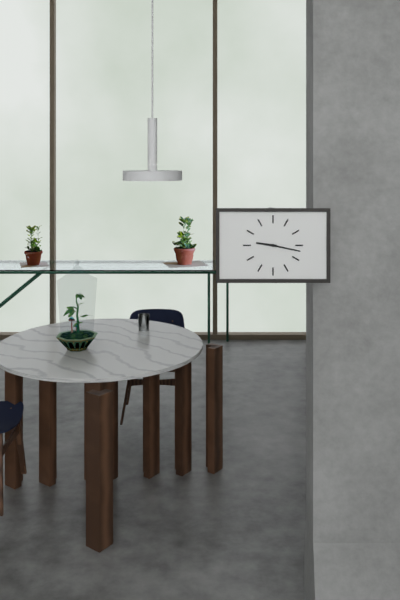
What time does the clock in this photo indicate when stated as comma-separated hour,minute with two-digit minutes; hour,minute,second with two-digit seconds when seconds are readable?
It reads 9,17
